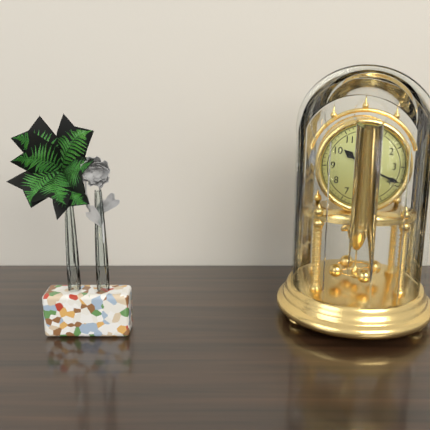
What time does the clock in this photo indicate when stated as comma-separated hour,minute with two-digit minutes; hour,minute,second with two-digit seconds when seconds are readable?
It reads 10,19
